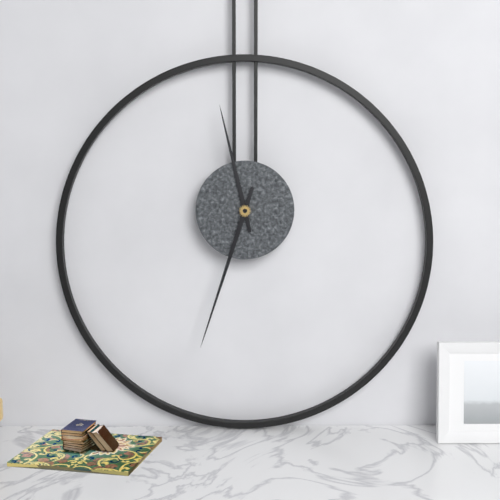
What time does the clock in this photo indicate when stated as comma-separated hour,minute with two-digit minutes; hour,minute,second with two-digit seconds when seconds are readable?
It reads 11,33
